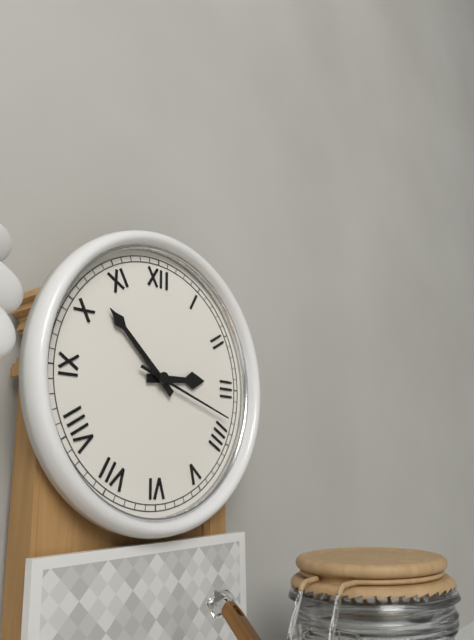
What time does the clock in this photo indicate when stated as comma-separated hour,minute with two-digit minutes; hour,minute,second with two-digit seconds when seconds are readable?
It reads 2,52,18
